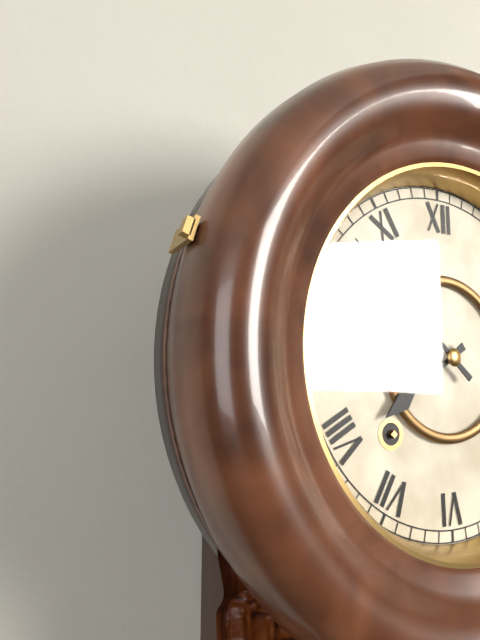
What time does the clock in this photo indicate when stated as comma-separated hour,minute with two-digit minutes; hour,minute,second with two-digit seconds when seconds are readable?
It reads 7,52
